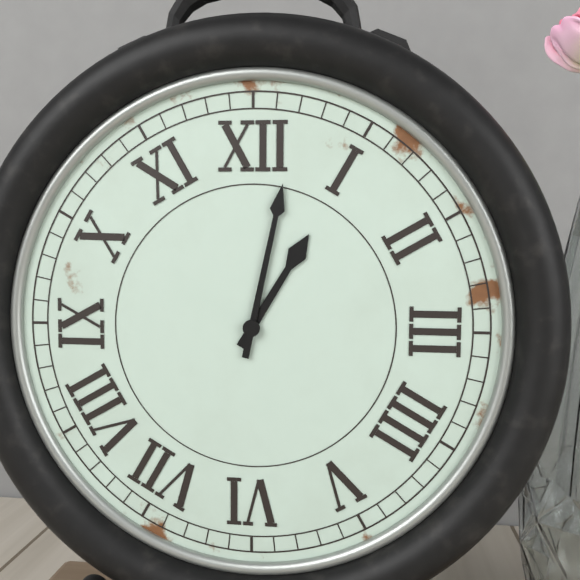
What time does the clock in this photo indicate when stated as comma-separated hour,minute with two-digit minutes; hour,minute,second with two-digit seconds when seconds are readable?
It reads 1,02
